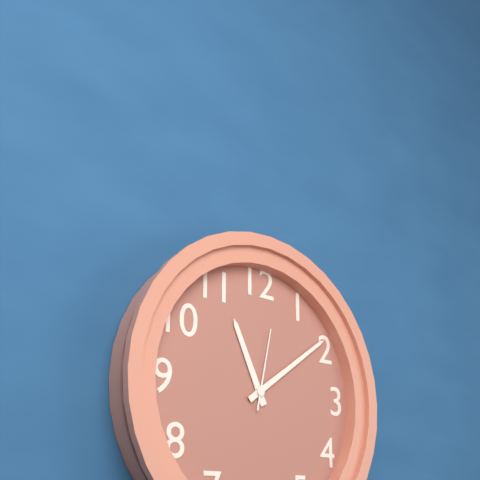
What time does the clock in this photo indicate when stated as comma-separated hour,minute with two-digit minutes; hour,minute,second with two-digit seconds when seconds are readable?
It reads 11,09,02
